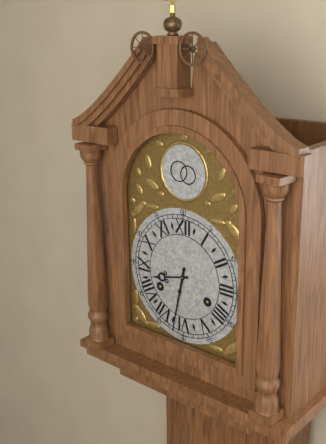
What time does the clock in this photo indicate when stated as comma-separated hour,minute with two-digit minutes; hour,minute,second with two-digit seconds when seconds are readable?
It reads 8,32
